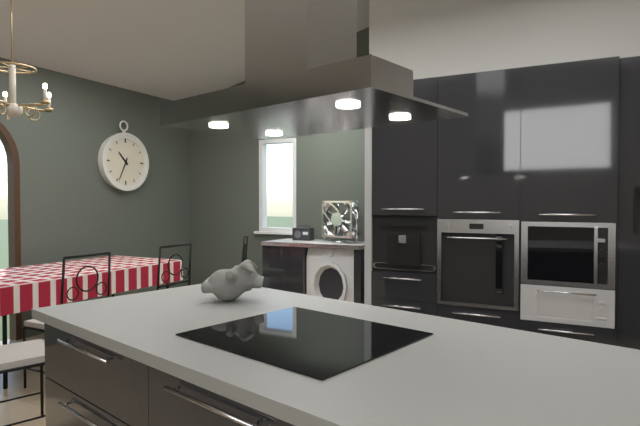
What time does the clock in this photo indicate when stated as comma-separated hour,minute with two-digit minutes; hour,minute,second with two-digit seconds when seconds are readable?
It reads 10,34
